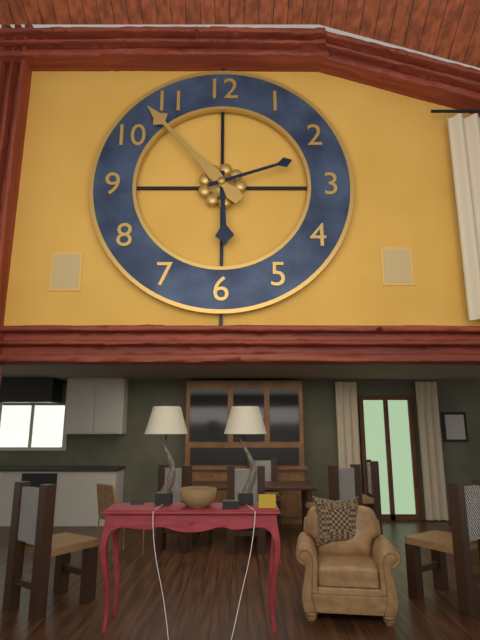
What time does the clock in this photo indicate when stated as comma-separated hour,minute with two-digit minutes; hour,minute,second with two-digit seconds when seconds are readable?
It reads 5,53,12
